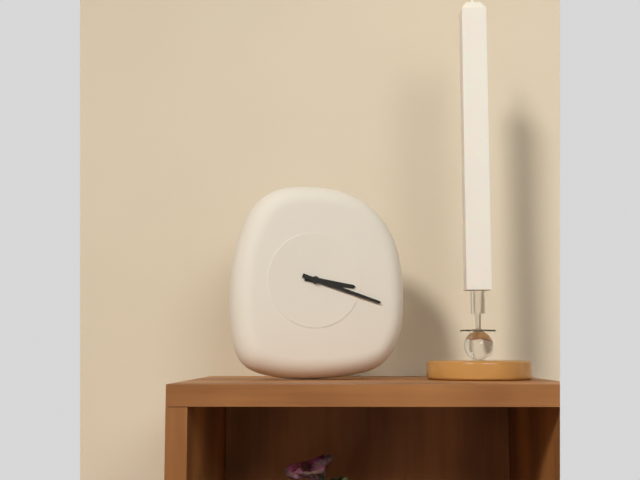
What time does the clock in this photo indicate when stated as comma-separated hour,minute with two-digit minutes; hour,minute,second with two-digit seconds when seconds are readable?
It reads 3,18
